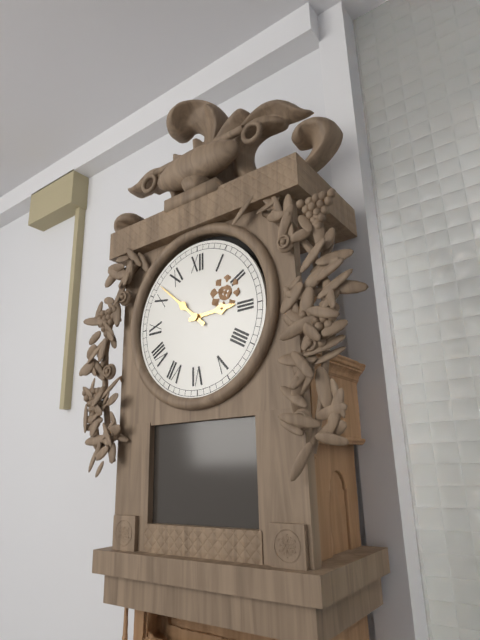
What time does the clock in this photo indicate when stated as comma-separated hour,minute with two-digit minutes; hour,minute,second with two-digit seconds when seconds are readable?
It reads 2,52
